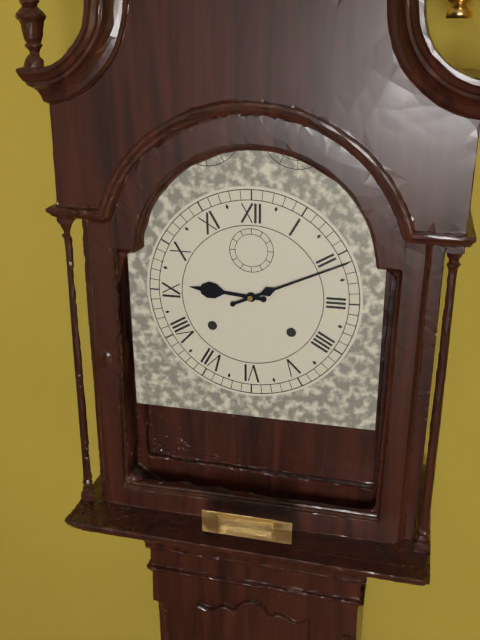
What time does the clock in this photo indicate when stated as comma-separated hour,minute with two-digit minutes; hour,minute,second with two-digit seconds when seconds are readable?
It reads 9,11
